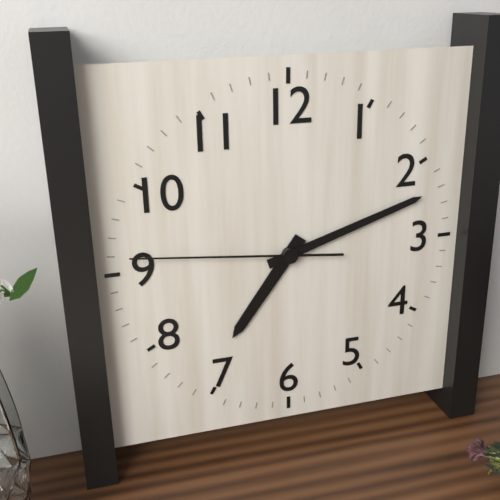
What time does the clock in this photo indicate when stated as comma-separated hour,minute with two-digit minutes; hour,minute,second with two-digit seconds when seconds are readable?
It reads 7,12,46
